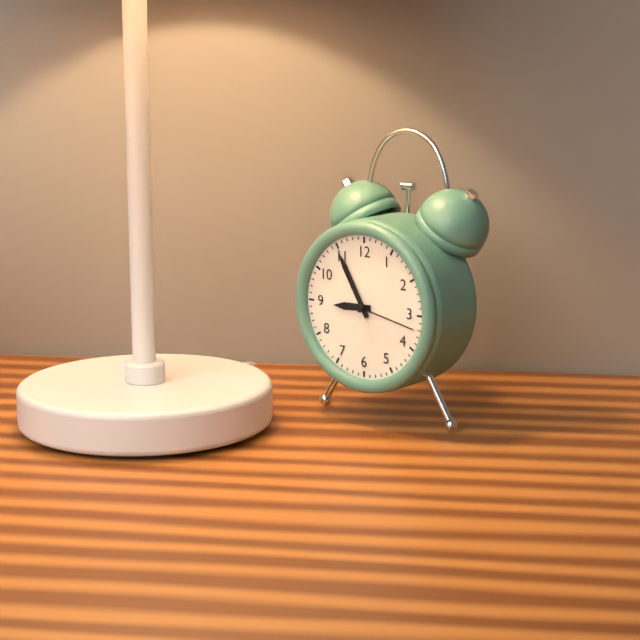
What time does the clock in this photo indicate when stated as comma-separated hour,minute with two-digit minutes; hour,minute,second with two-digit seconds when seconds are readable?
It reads 8,55,17
